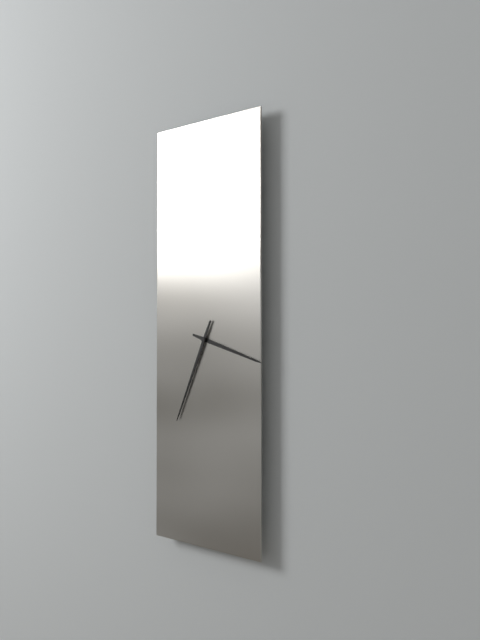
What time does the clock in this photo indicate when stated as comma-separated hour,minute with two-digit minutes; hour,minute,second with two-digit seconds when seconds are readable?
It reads 3,34
